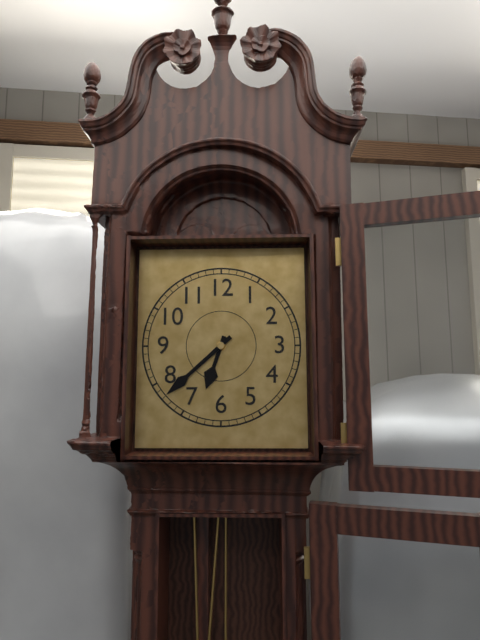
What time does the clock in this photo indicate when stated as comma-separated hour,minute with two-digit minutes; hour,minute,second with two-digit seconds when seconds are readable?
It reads 6,38
